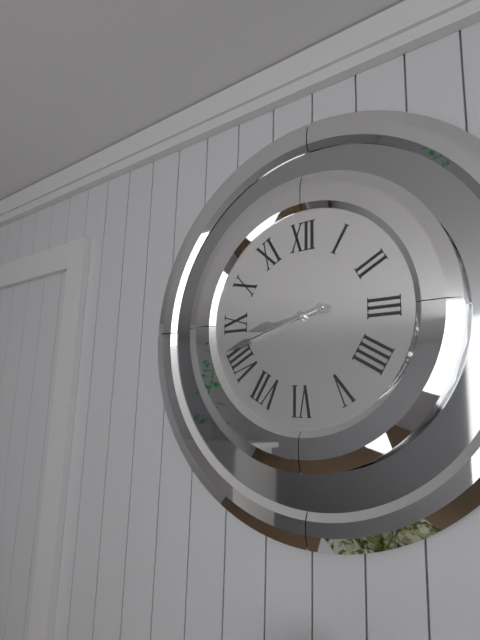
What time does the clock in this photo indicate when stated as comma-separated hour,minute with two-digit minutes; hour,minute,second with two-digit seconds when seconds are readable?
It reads 8,42
